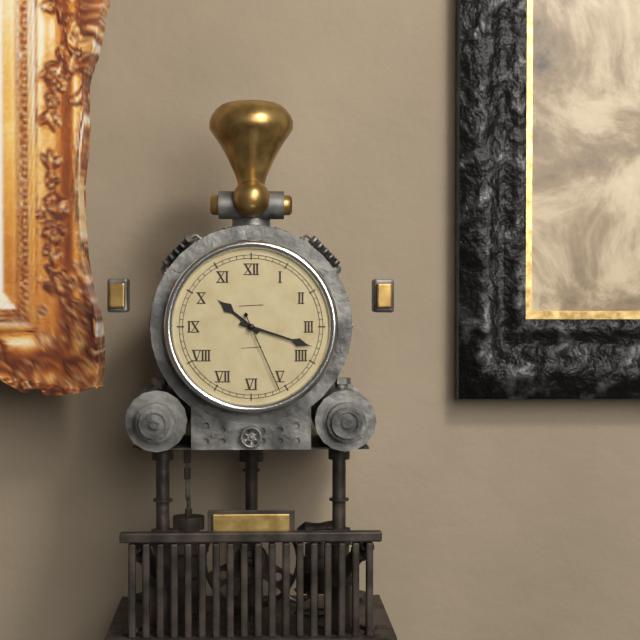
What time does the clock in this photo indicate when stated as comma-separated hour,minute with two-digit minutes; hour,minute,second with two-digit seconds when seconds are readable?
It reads 10,18,26
